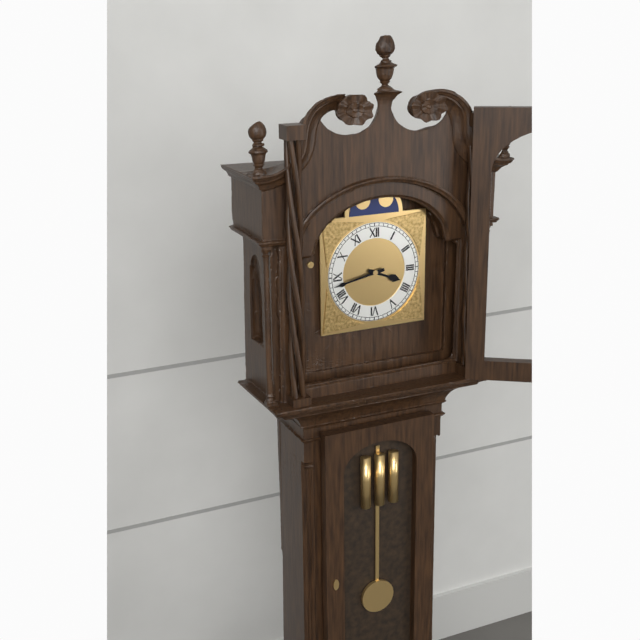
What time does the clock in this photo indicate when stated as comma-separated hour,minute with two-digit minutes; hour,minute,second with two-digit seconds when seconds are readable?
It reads 3,43
